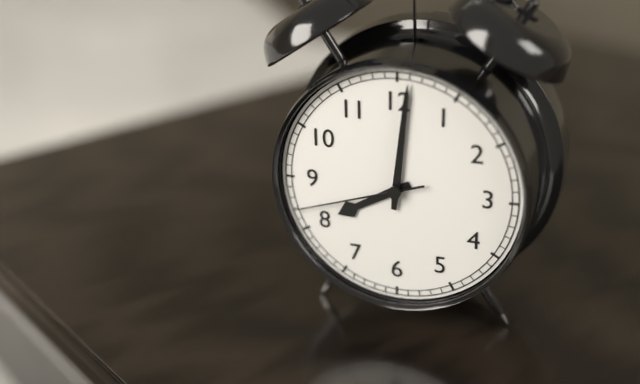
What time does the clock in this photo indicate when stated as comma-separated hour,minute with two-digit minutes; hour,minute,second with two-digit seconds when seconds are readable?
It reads 8,01,42
